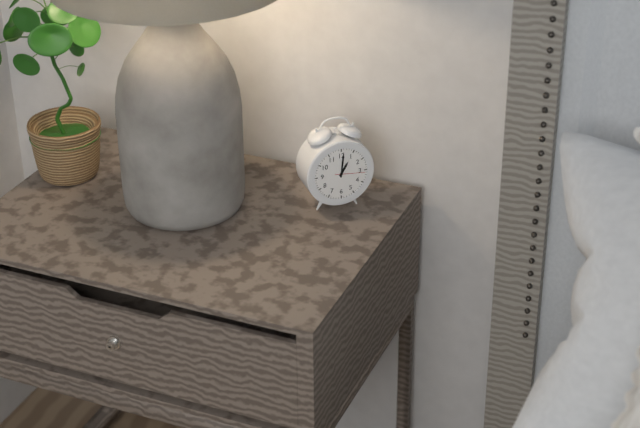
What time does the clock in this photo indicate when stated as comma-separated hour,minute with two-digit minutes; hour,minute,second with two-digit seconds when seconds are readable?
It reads 1,01
